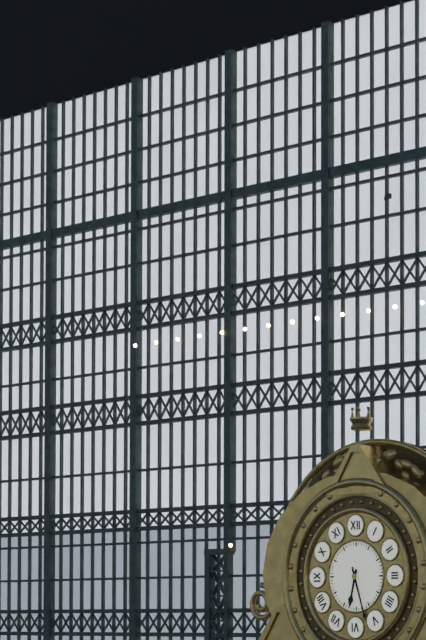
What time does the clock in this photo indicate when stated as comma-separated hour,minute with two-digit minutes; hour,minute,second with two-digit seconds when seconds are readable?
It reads 6,27
